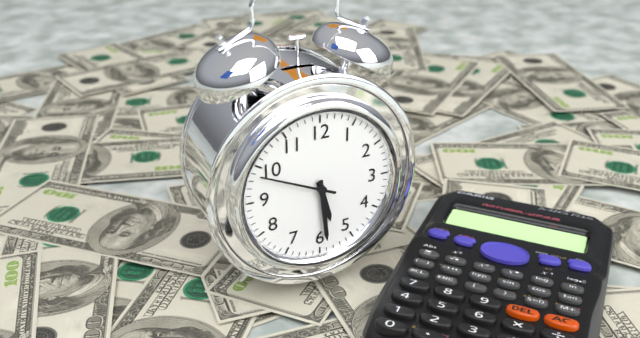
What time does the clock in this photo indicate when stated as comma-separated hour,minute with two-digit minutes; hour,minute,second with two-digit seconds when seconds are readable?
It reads 5,29,49
